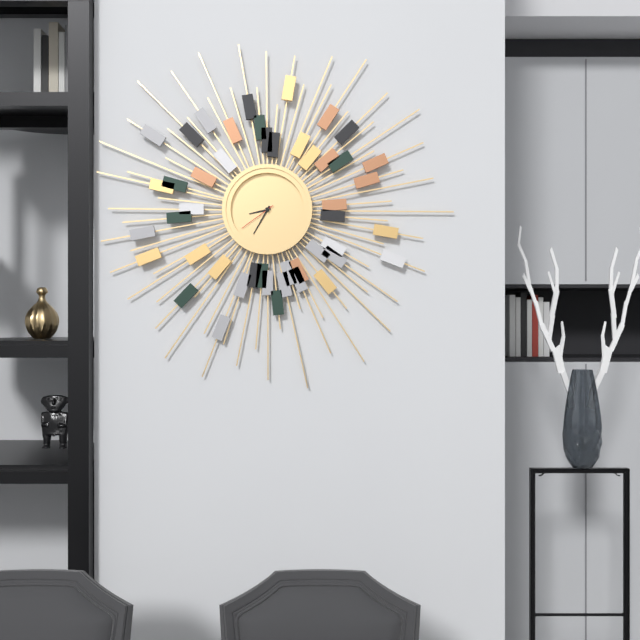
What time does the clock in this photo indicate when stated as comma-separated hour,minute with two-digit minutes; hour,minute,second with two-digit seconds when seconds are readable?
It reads 8,35
